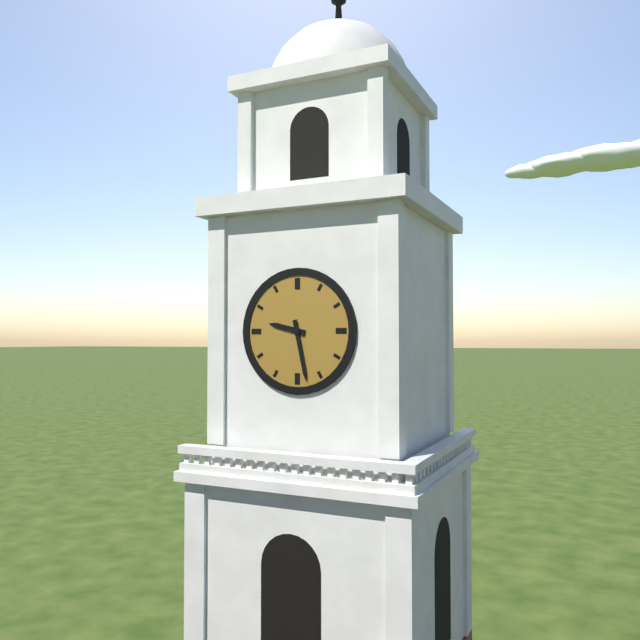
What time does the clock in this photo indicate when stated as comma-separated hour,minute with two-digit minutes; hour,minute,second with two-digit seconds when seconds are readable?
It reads 9,28
